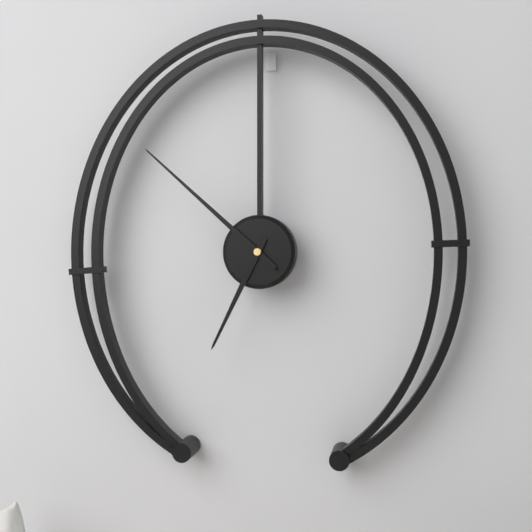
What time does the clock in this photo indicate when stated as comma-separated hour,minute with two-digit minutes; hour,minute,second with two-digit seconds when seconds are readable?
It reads 6,52
